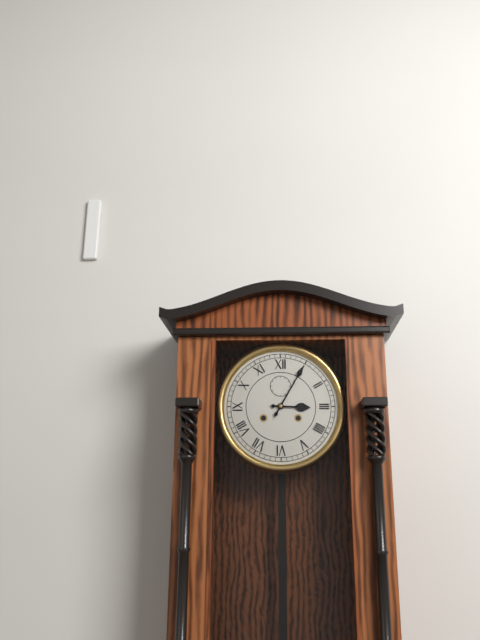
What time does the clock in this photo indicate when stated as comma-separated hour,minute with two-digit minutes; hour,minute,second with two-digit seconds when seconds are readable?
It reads 3,05
